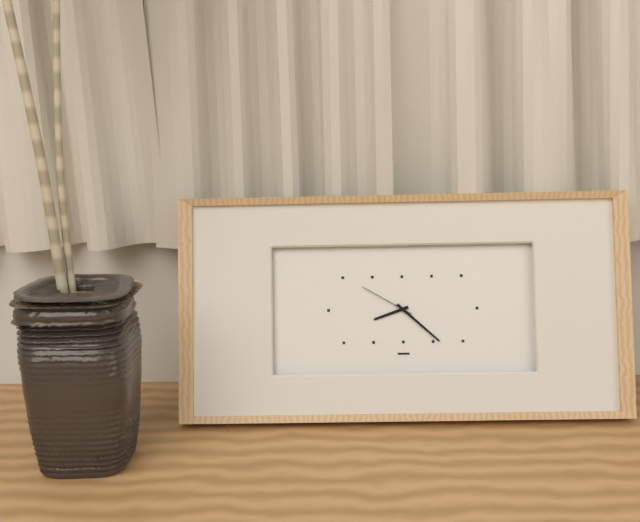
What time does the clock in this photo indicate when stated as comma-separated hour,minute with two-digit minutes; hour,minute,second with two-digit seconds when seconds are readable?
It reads 8,22,50
